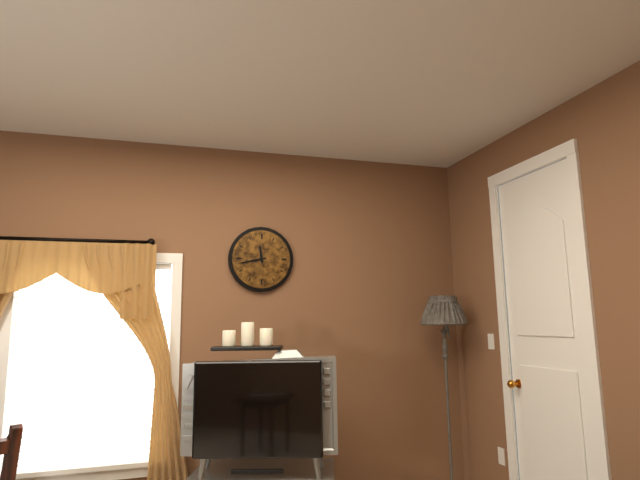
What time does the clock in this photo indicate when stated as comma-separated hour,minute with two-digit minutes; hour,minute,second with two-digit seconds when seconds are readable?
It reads 11,43
